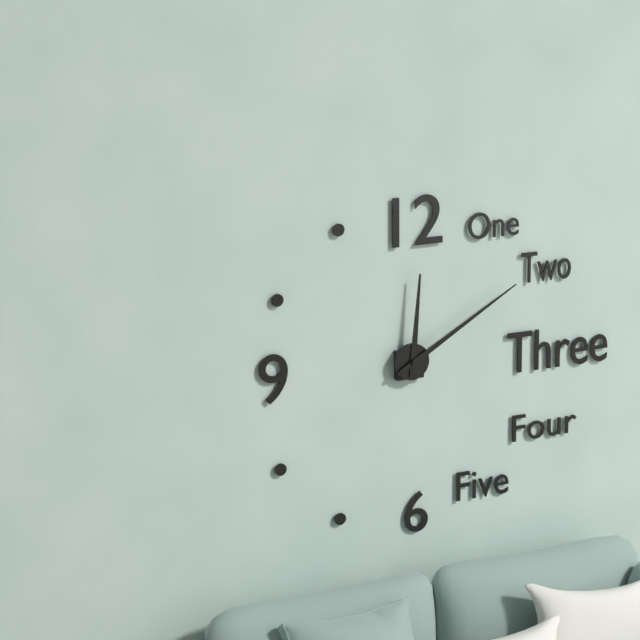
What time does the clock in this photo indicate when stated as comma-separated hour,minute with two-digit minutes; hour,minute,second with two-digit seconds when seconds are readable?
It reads 12,10
